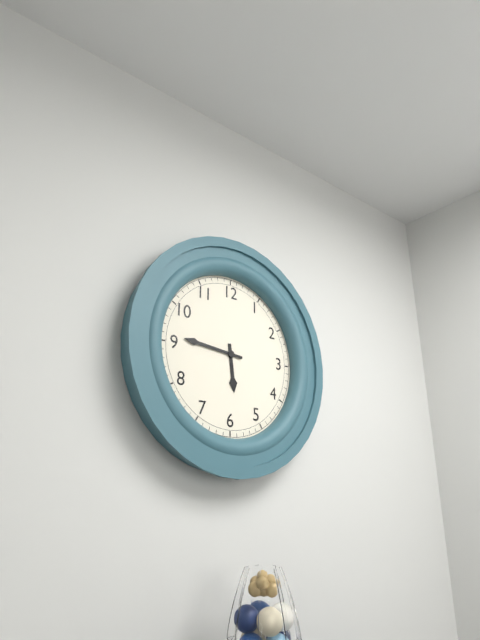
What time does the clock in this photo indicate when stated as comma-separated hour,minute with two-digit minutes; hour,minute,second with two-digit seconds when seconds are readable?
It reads 5,46
